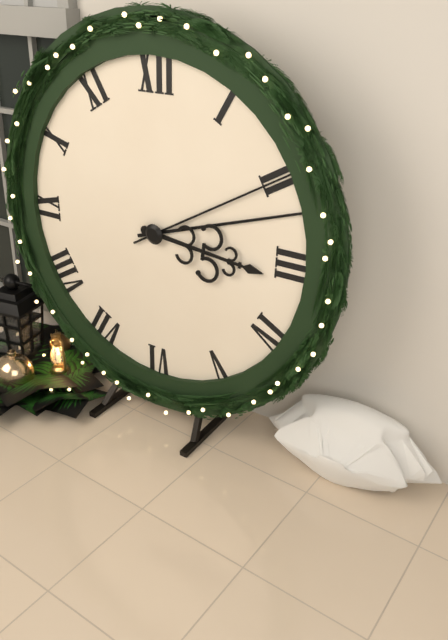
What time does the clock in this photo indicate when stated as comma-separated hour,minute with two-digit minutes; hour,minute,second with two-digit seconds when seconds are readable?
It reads 3,12,10
